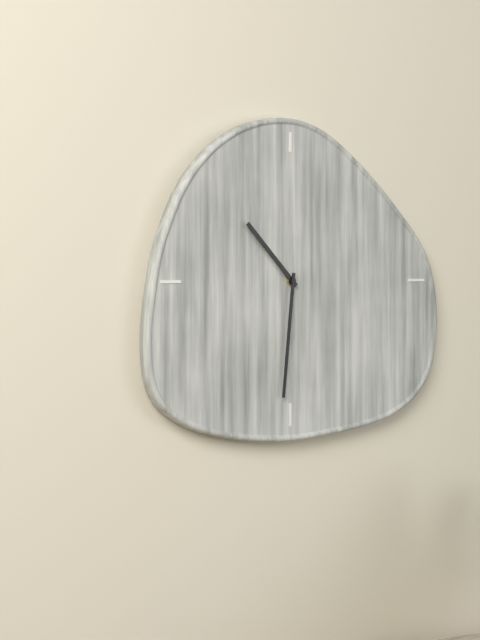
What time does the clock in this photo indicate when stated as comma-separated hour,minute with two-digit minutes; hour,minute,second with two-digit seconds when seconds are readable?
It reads 10,31
